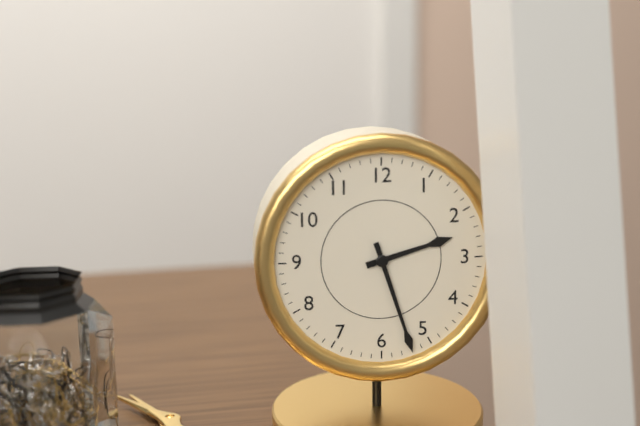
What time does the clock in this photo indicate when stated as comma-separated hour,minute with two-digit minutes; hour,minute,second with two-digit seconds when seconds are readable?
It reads 2,27
